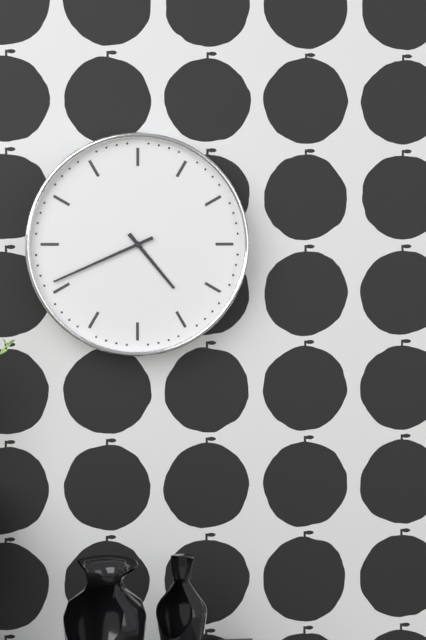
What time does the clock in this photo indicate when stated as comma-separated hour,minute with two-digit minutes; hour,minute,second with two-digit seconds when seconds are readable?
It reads 4,41
